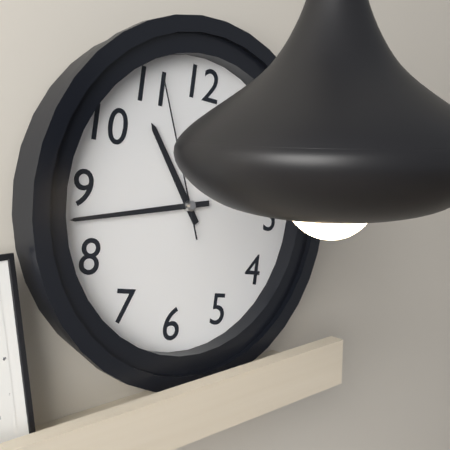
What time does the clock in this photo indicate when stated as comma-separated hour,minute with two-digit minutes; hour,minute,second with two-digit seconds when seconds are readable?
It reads 10,43,56
